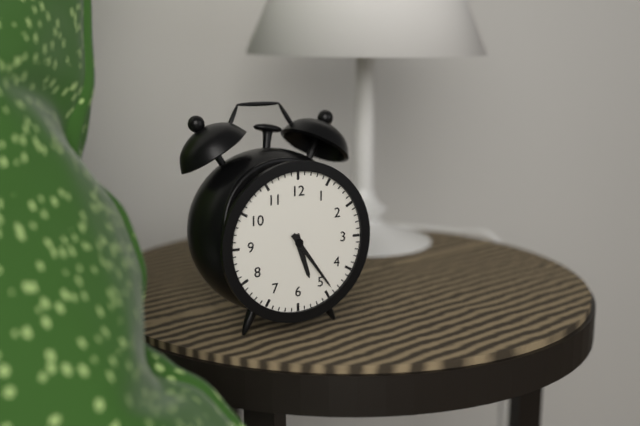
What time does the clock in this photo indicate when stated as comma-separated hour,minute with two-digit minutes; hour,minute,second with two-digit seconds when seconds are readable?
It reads 5,24
